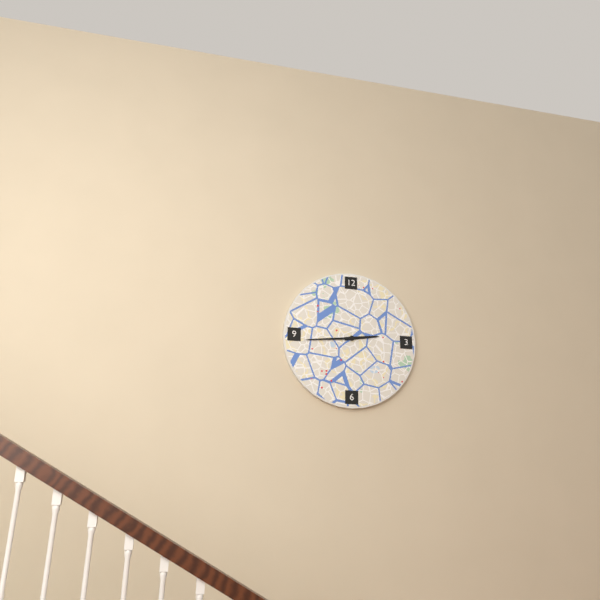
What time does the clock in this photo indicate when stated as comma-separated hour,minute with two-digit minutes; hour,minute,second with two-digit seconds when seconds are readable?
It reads 2,44
